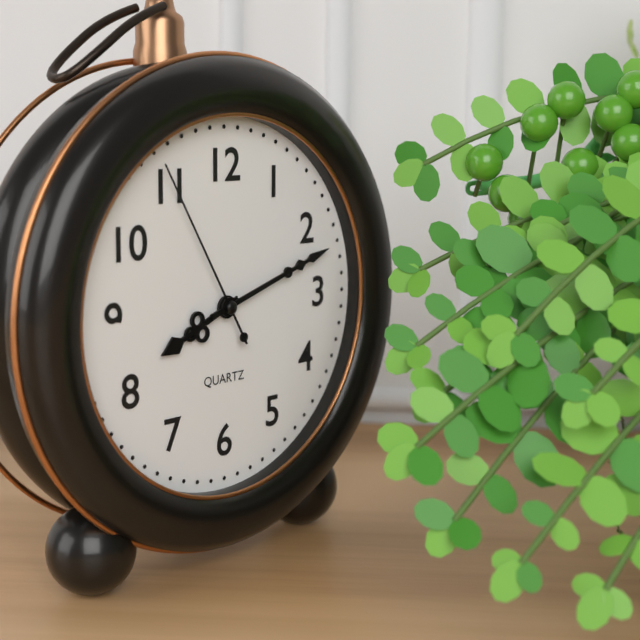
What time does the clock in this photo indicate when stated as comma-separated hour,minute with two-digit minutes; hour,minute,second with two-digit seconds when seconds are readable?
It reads 8,12,55
